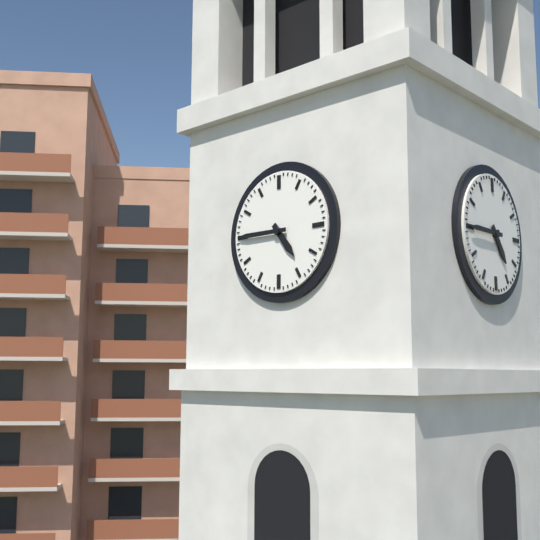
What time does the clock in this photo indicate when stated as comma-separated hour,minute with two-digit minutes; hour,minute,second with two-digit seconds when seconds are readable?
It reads 4,45
